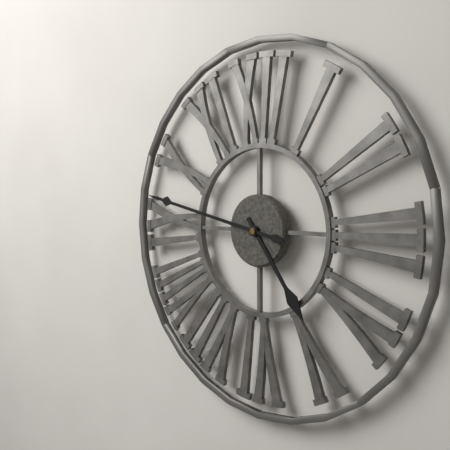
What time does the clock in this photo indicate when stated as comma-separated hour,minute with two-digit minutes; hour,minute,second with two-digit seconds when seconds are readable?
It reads 4,47
